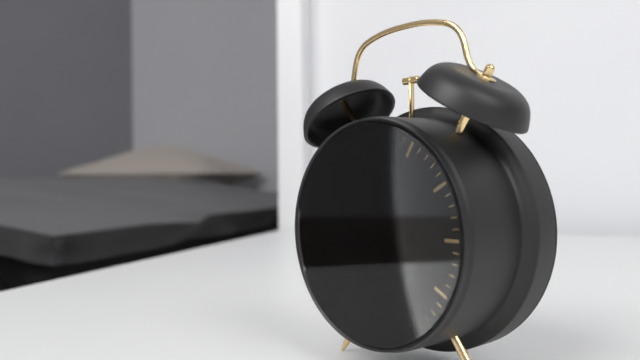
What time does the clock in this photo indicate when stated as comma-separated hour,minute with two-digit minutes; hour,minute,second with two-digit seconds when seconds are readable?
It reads 5,42,27
